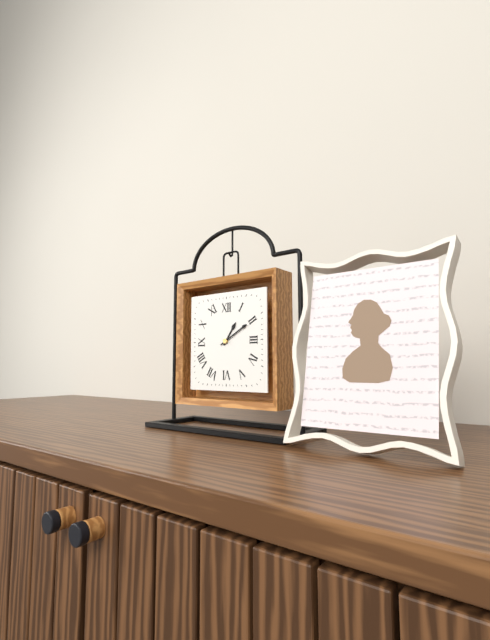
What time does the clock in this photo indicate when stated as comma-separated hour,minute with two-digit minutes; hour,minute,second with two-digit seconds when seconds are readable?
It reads 1,10
